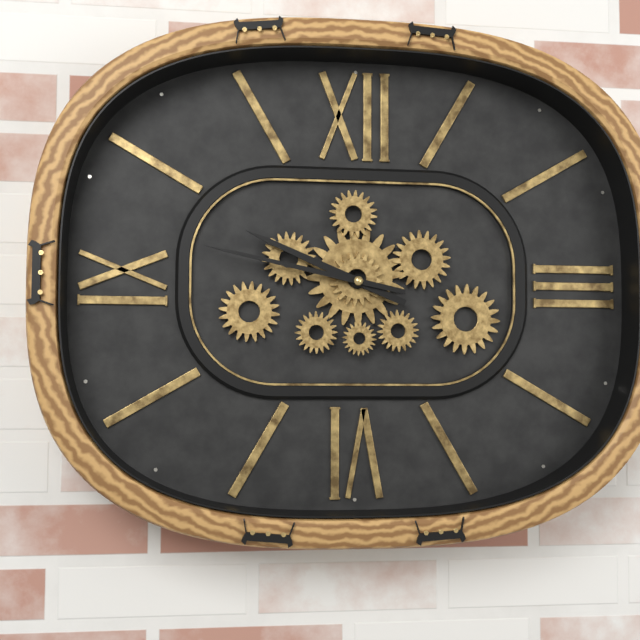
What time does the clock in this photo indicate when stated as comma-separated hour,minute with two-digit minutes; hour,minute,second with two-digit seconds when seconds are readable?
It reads 9,47
